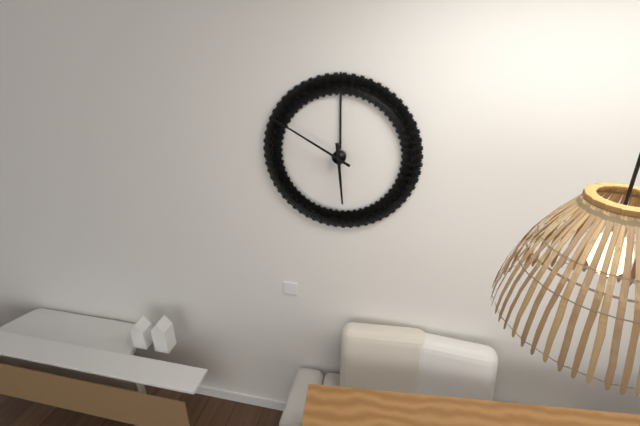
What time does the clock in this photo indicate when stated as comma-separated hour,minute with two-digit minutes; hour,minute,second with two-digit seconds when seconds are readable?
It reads 5,50
